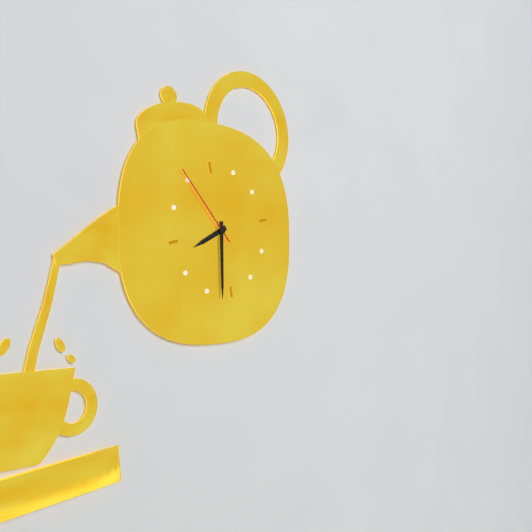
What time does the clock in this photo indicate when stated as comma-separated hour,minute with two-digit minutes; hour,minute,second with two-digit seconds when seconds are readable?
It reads 8,32,55
